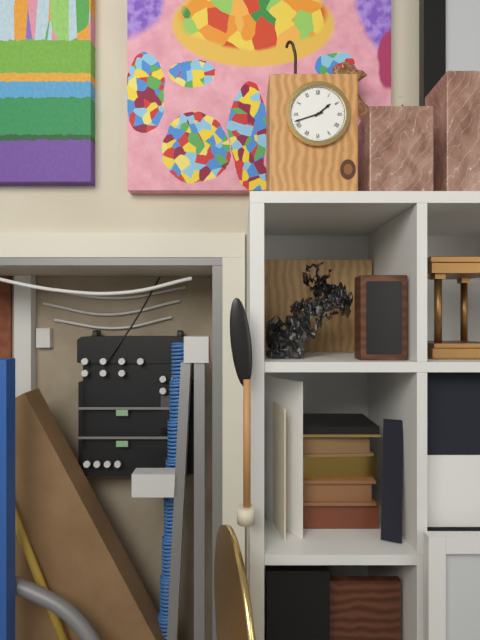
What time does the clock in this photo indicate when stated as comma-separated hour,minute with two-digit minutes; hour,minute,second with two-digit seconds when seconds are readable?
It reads 1,42
